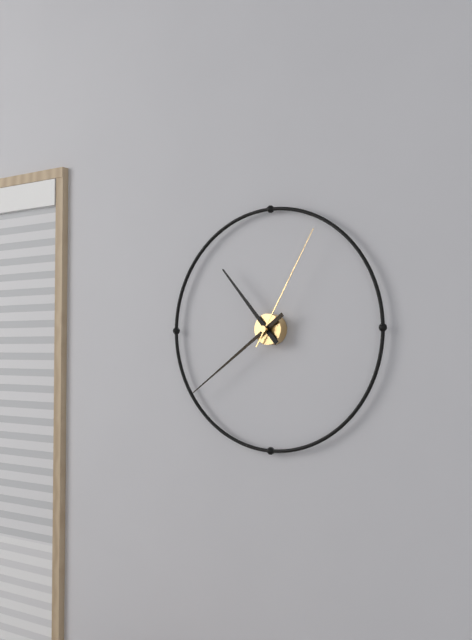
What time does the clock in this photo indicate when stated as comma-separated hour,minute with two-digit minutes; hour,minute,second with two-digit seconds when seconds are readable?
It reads 10,39,05
